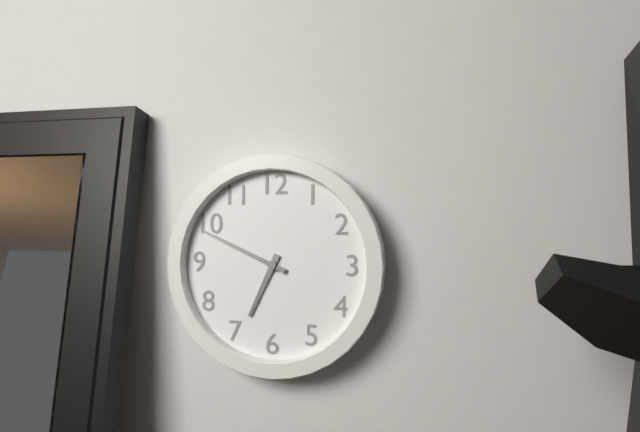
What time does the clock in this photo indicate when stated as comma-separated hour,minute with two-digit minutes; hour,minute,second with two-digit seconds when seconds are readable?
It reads 6,49
